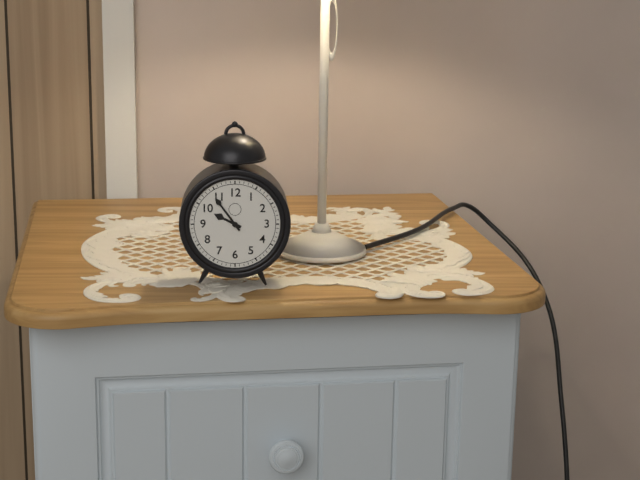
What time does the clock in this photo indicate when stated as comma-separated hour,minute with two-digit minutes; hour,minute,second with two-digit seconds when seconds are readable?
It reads 9,54
